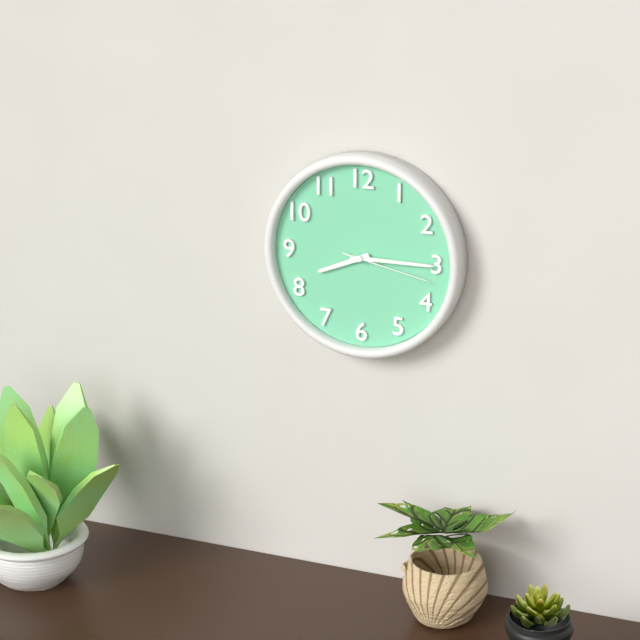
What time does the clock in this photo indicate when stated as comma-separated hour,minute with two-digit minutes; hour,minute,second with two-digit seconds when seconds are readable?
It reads 8,15,17
